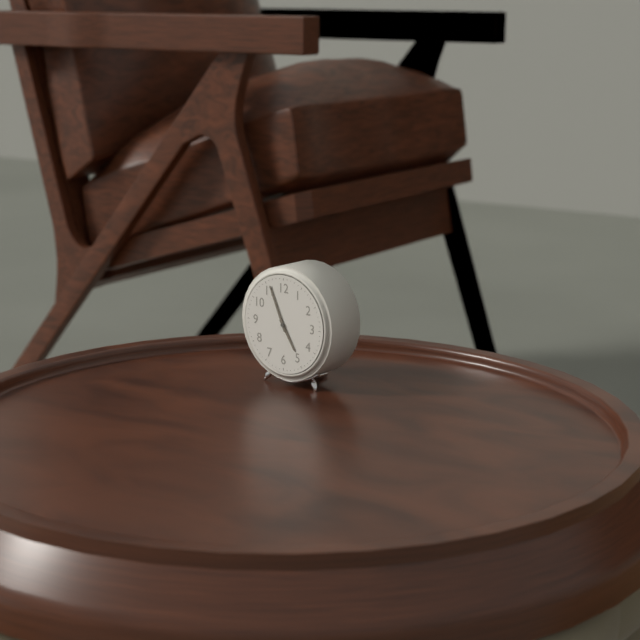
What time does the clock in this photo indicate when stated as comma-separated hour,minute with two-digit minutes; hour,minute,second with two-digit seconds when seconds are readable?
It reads 4,56
